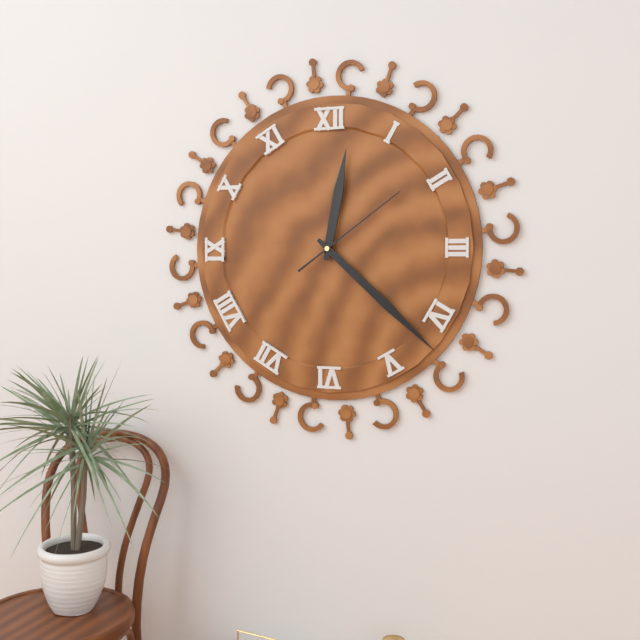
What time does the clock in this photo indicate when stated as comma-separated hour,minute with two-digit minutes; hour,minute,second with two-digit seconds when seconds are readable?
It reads 12,22,09
